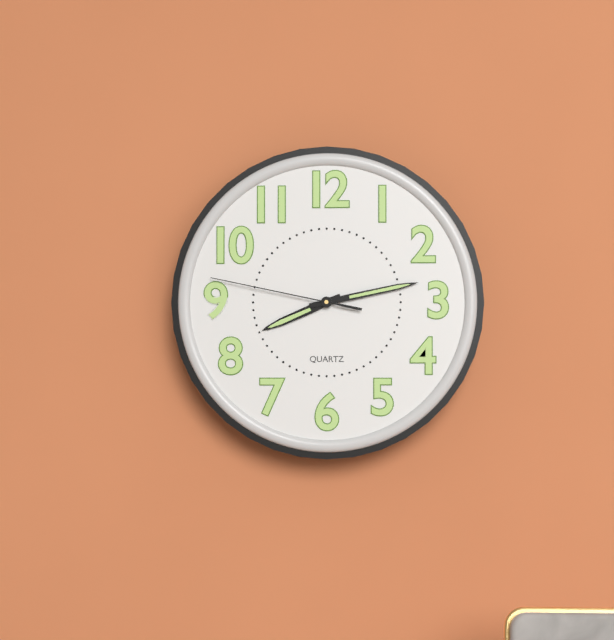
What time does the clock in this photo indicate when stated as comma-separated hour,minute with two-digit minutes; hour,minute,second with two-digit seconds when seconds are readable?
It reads 8,13,47
